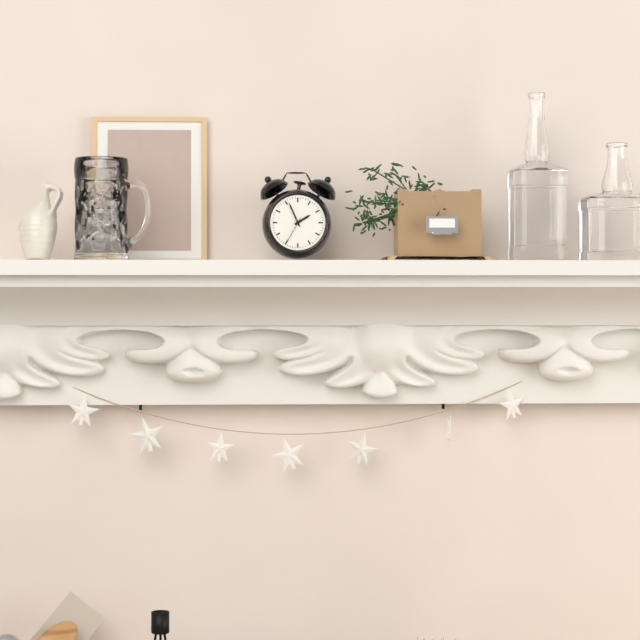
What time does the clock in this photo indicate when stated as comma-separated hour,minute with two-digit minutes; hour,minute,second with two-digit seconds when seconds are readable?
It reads 1,56
